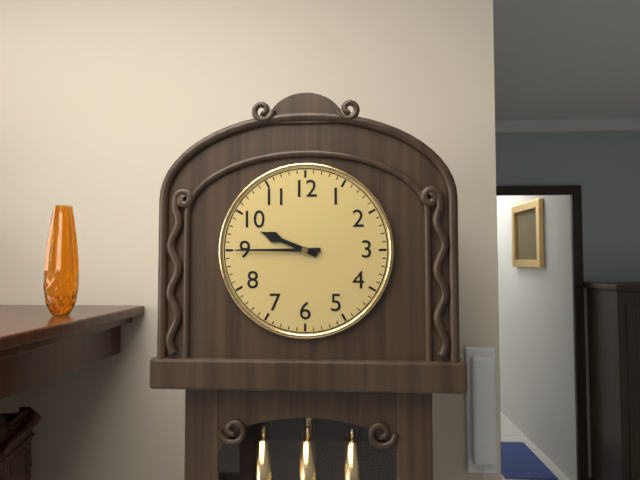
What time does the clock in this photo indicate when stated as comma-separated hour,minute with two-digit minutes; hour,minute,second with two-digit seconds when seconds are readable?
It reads 9,45
